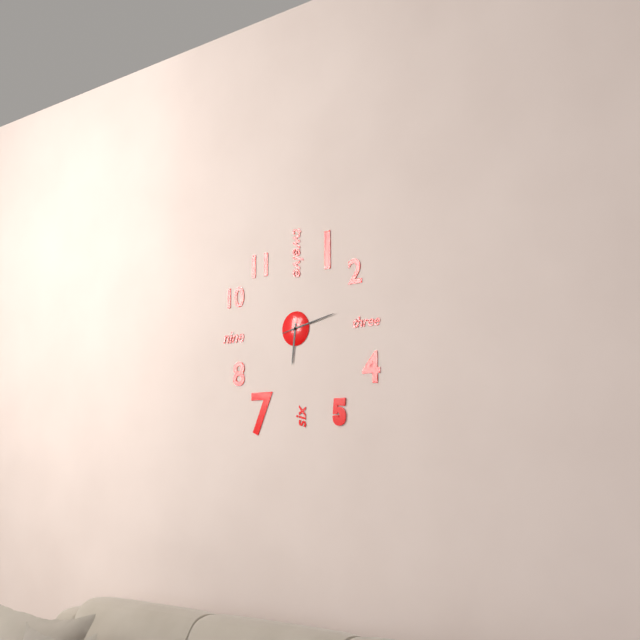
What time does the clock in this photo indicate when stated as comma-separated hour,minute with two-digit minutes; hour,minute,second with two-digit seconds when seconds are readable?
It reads 6,13,13
